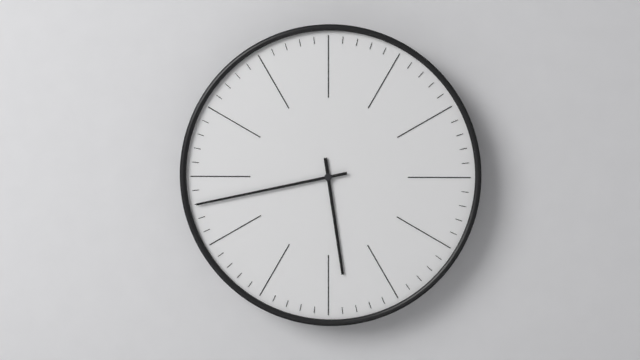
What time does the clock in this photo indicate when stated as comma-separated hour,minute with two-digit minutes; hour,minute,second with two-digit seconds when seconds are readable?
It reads 5,43
